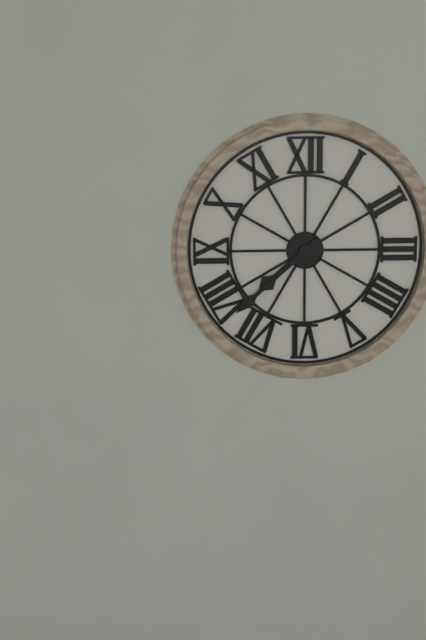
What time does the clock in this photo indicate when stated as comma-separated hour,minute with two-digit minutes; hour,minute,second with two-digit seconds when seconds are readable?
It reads 7,38
